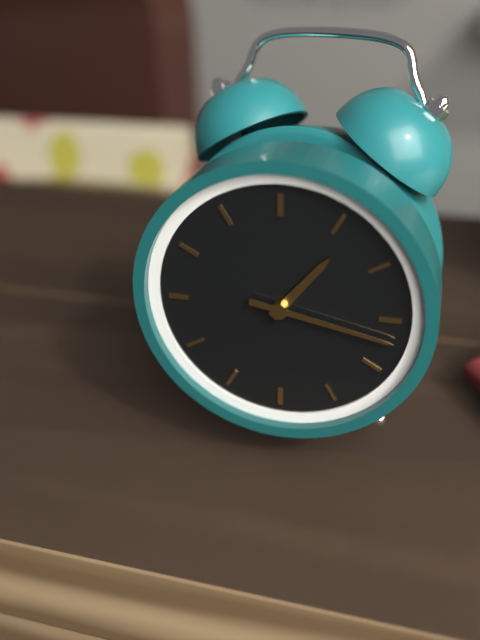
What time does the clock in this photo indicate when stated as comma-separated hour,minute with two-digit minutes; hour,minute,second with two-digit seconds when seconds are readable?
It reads 1,17
